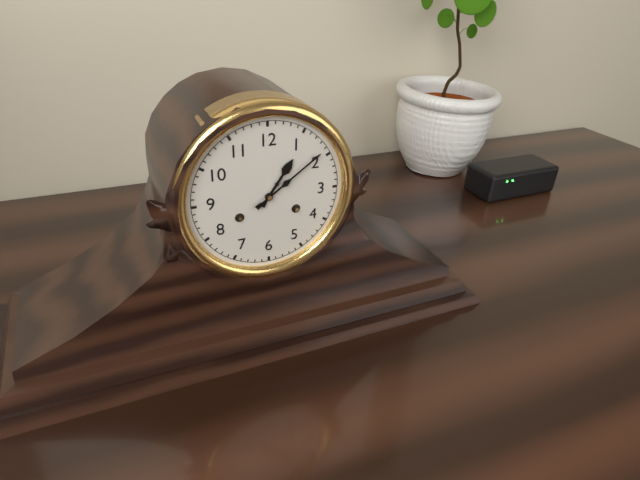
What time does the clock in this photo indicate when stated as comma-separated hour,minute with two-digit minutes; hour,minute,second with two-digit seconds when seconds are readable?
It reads 1,09
